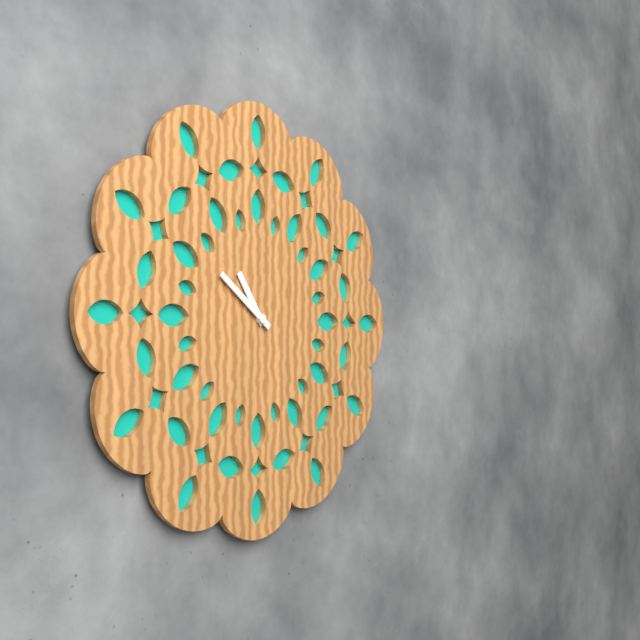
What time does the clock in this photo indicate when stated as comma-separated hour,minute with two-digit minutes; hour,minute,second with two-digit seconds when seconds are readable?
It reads 10,51
